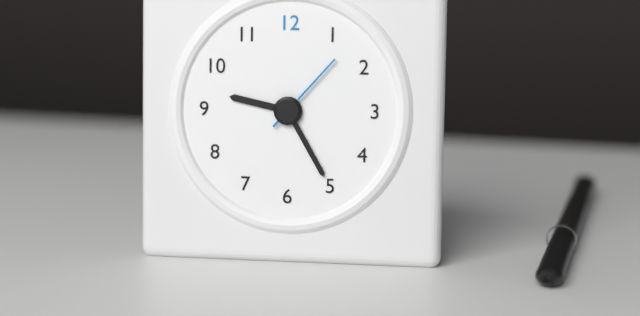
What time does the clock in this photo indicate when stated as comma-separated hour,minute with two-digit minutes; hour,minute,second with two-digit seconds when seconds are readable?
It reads 9,25,07
